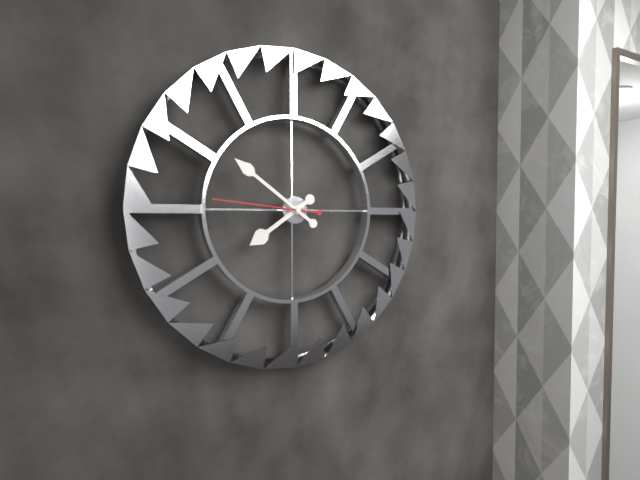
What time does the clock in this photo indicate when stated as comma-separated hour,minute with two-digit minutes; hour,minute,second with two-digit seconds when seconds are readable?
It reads 7,51,46
